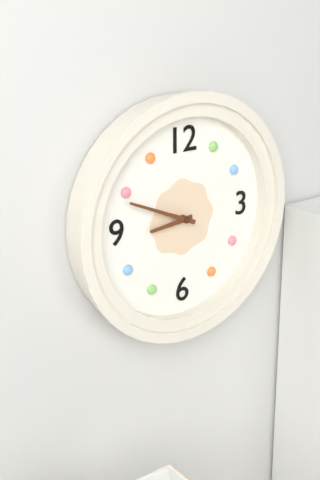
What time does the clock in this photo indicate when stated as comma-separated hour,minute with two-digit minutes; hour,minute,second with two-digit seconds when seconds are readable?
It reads 8,49
